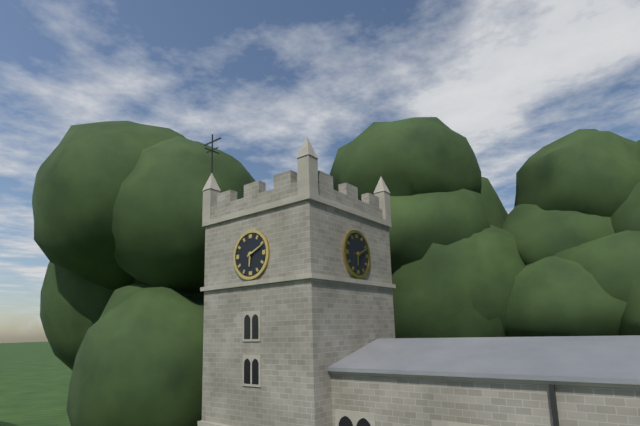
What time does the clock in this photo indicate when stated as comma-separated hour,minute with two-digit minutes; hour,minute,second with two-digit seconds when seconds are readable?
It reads 6,11
